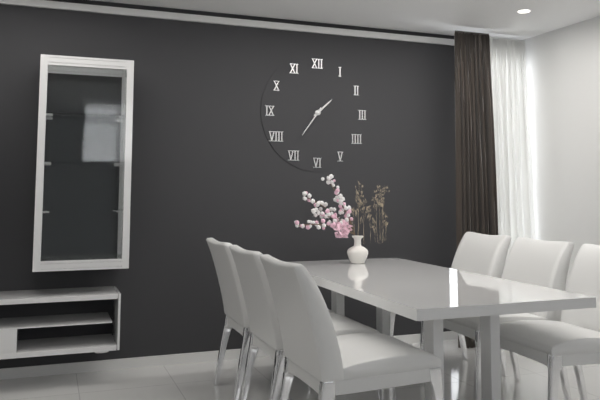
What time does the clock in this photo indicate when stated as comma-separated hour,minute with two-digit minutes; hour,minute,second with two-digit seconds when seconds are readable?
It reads 1,36
